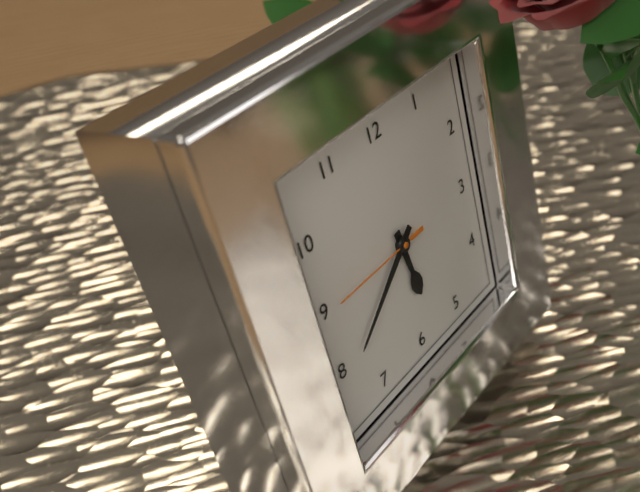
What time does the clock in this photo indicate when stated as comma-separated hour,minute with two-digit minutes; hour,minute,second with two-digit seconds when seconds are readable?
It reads 5,39,45
